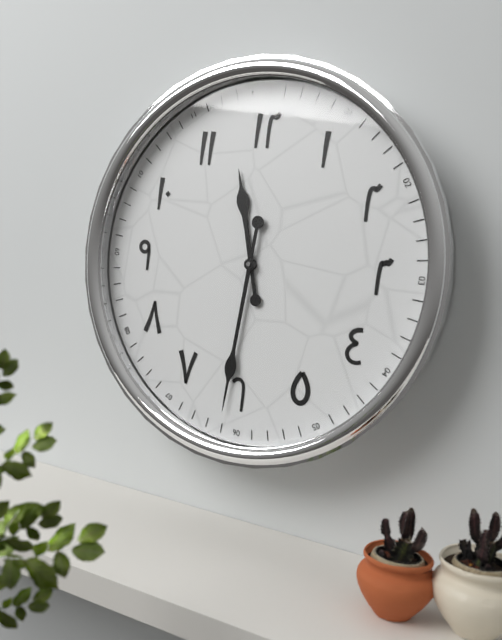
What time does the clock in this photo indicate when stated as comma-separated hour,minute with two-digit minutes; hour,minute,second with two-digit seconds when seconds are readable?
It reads 11,31
